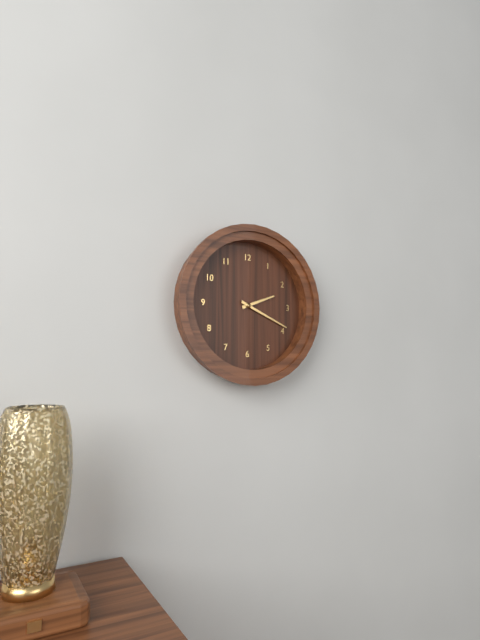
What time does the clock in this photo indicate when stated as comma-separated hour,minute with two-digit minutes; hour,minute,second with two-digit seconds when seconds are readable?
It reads 2,19
